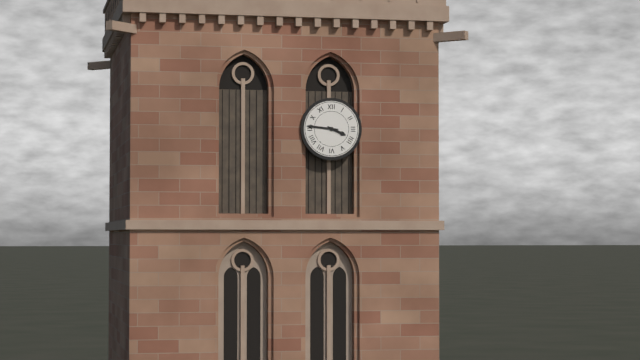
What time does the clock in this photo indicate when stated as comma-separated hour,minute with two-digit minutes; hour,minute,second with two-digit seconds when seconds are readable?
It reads 3,46
